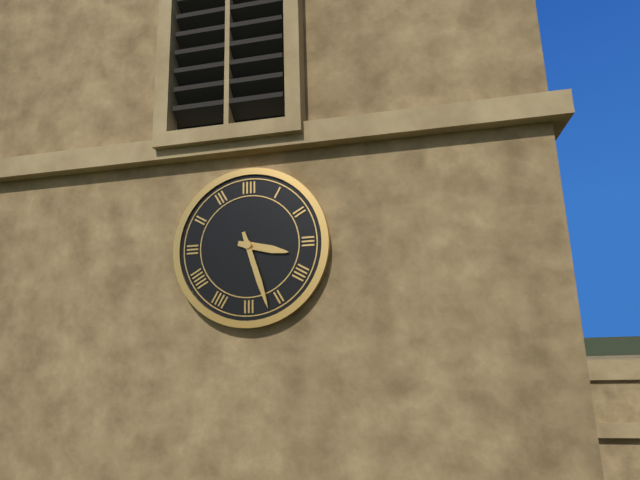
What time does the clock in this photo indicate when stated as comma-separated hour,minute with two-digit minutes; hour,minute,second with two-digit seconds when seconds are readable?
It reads 3,27
